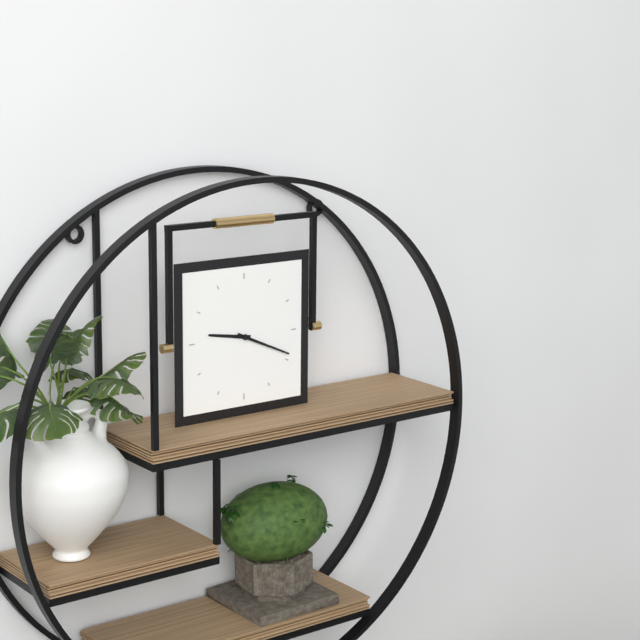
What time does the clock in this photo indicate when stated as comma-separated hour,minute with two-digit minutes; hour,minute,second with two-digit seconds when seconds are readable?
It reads 9,19
